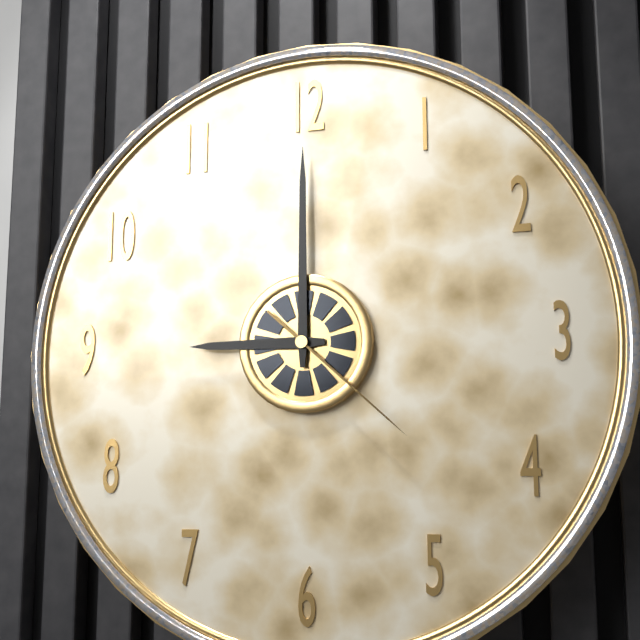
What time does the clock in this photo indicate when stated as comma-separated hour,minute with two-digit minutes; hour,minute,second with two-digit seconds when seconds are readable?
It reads 9,00,22
